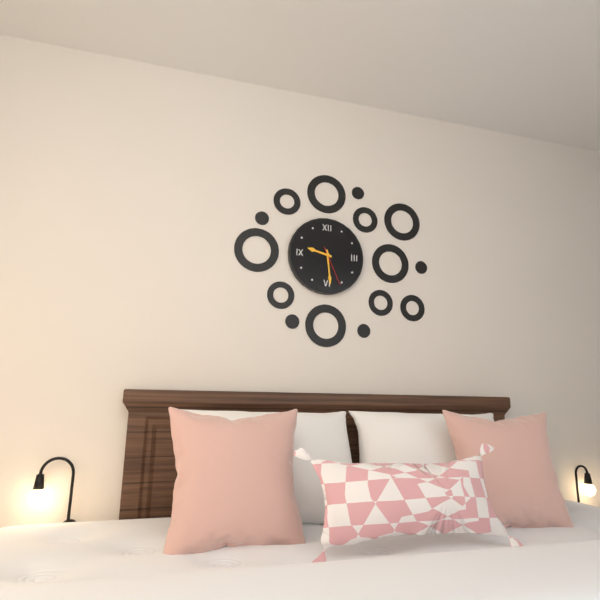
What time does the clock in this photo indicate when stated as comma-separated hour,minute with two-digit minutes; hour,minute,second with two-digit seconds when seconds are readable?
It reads 9,29
